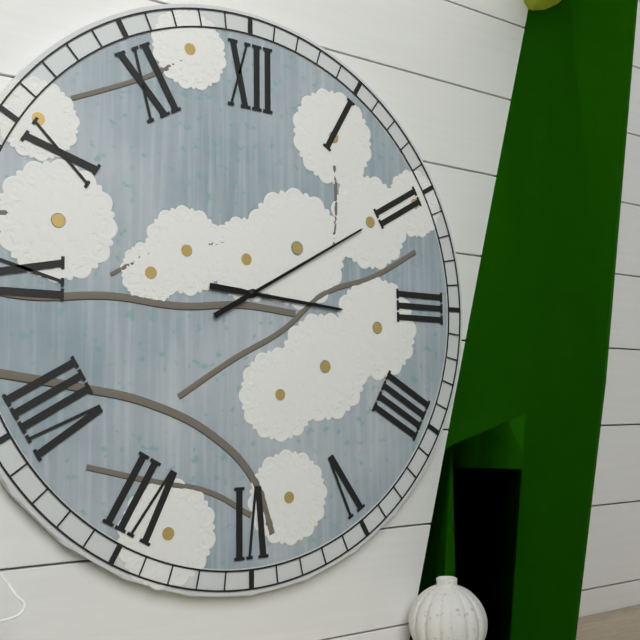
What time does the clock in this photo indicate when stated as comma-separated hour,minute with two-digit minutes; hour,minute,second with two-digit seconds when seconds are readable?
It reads 3,10
